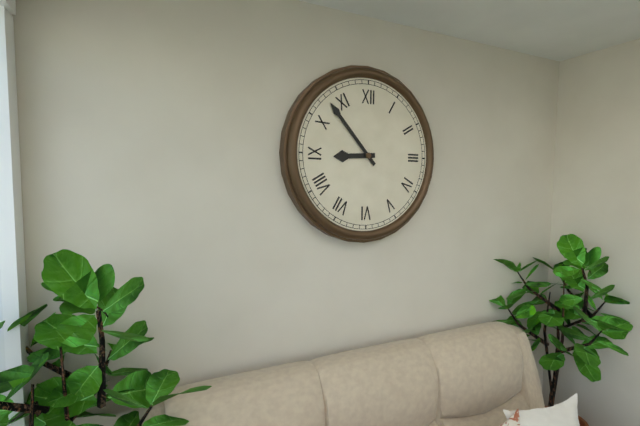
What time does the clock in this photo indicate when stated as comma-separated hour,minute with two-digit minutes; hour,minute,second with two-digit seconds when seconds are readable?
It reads 8,53
